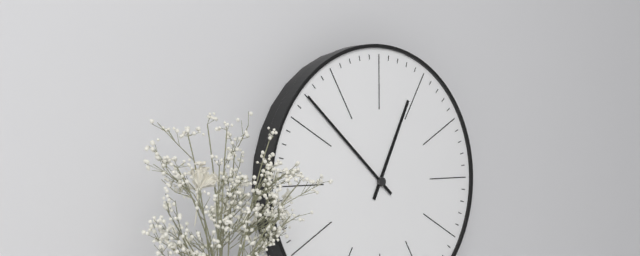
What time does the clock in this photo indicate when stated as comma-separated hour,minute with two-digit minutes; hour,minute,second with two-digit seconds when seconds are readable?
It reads 12,52
